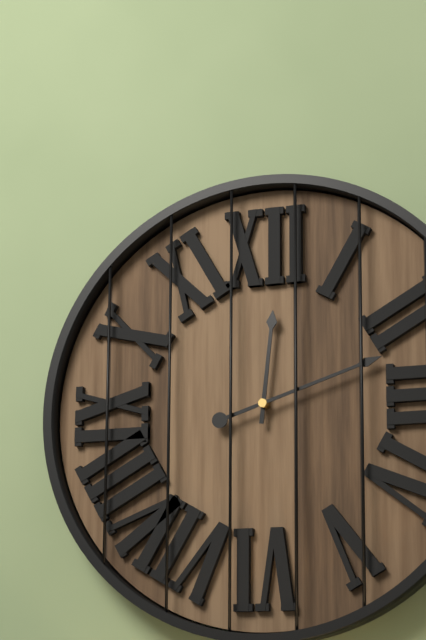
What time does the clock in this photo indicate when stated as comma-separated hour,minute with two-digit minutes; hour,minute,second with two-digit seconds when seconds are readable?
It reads 12,12
